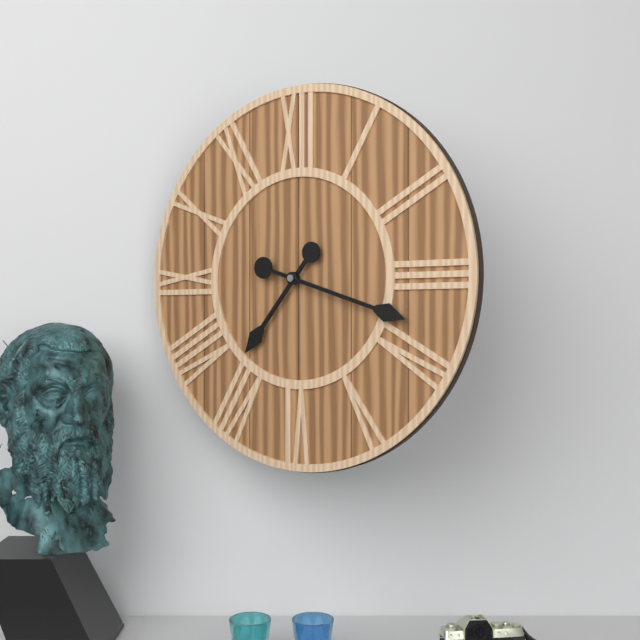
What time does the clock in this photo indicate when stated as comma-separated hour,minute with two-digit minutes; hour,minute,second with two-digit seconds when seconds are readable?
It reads 7,18
